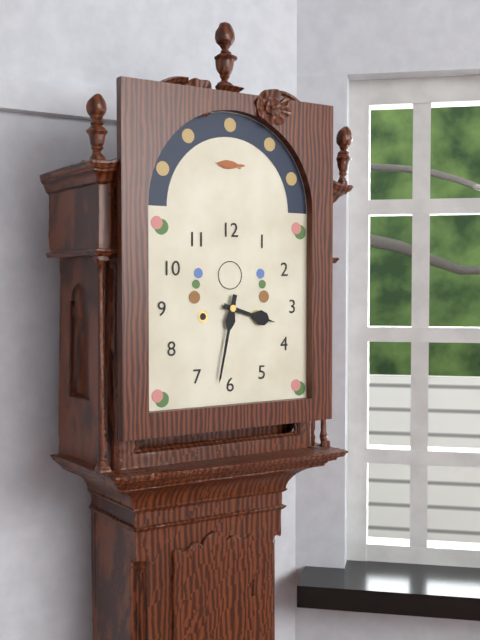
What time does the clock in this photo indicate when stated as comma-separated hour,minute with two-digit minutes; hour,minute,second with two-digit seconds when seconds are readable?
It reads 3,32
